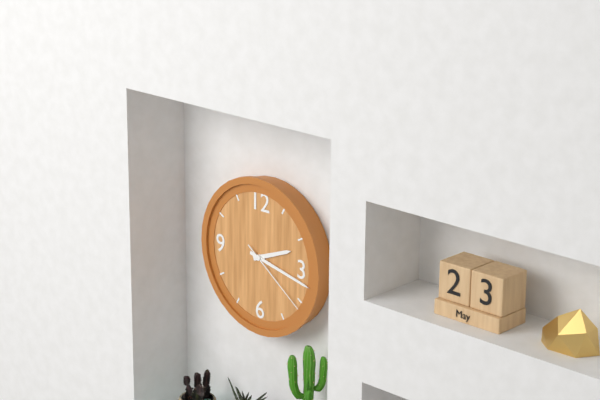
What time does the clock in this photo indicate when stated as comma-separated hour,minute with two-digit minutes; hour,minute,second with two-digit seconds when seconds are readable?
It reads 2,17,21
